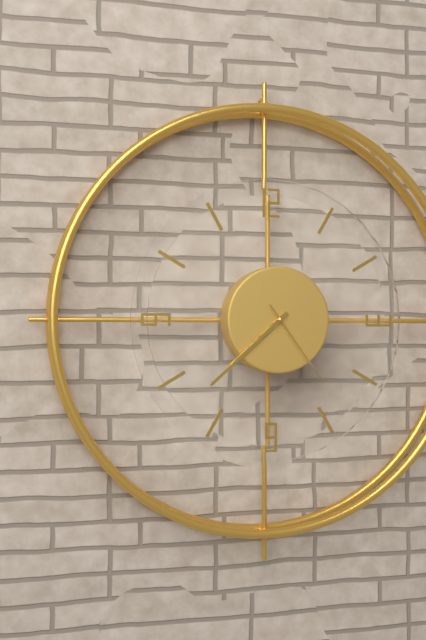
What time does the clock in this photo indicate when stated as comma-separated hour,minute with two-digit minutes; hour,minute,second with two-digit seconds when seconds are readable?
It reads 7,38,24
